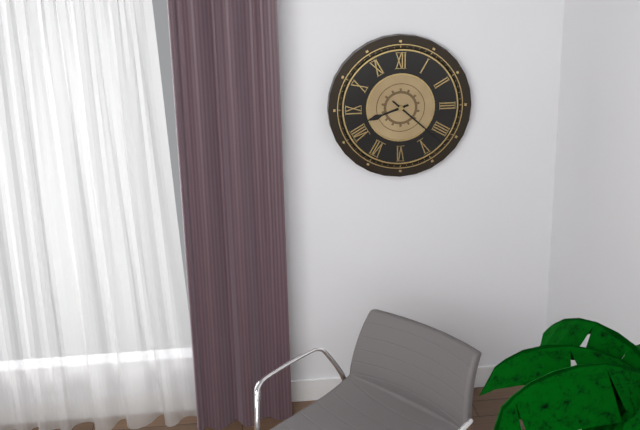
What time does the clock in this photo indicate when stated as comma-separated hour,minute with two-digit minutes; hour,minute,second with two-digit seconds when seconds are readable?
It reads 8,22
